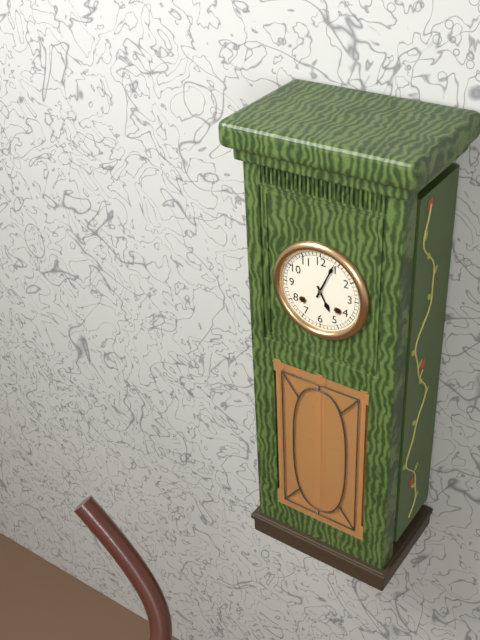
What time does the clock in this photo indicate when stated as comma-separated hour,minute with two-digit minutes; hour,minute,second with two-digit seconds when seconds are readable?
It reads 5,04
